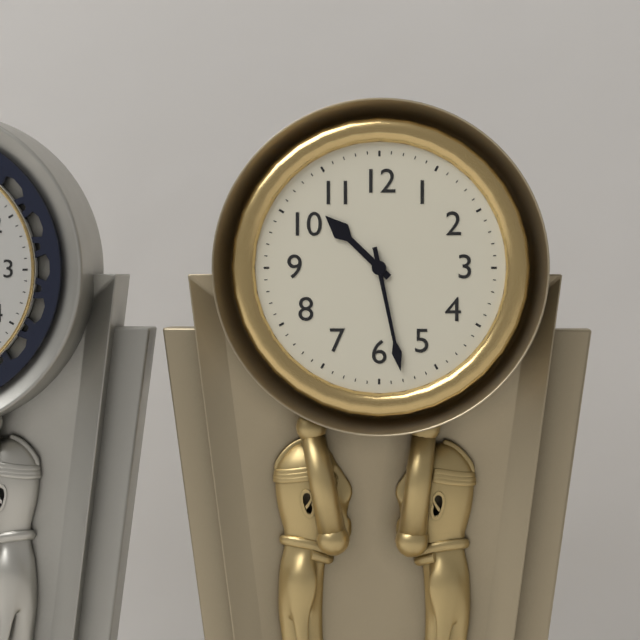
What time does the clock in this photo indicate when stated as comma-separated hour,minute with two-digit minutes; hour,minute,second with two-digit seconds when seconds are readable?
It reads 10,28
